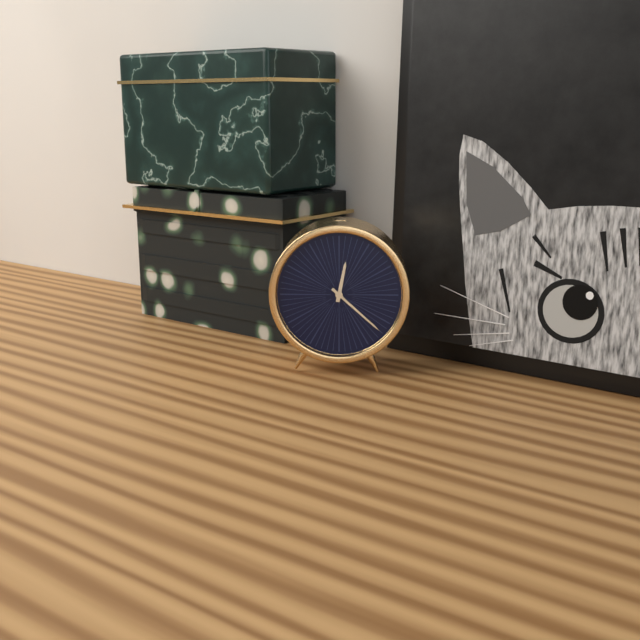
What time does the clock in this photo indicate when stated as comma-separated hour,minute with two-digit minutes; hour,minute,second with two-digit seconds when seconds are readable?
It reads 12,22
